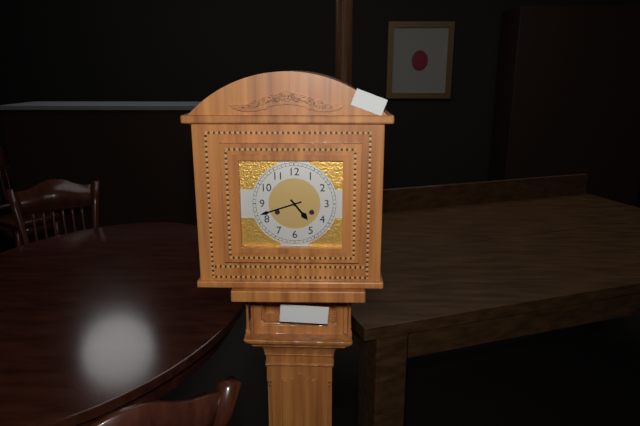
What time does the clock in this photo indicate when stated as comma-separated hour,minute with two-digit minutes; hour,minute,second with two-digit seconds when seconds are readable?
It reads 4,42
